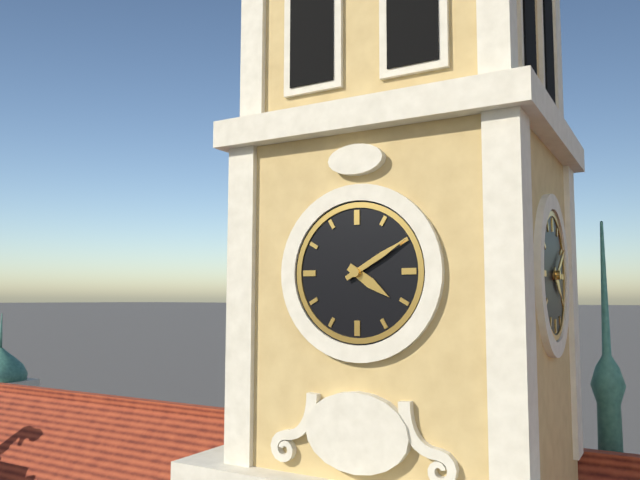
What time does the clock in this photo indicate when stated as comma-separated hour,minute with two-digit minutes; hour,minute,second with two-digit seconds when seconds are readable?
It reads 4,10
